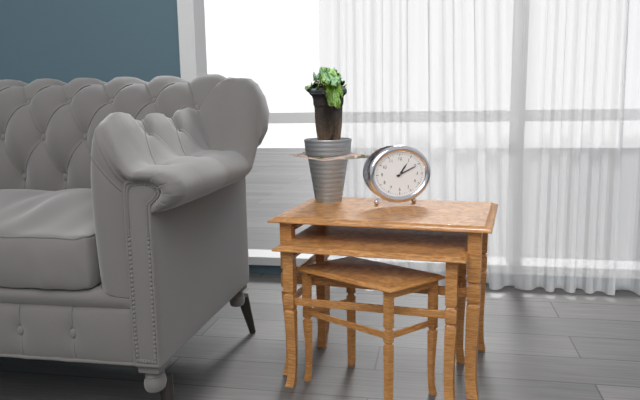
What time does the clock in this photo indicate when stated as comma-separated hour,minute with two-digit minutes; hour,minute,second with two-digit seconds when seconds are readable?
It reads 1,11
